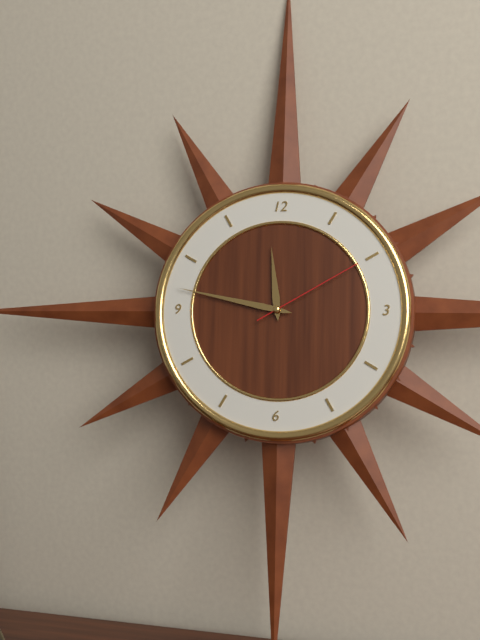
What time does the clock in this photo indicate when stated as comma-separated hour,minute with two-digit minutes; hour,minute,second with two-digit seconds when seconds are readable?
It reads 11,47,10
